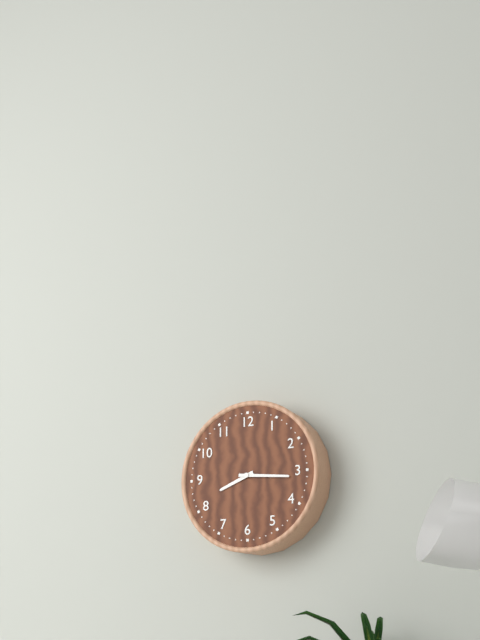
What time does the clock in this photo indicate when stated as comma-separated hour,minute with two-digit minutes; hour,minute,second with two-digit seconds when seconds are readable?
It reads 8,16
